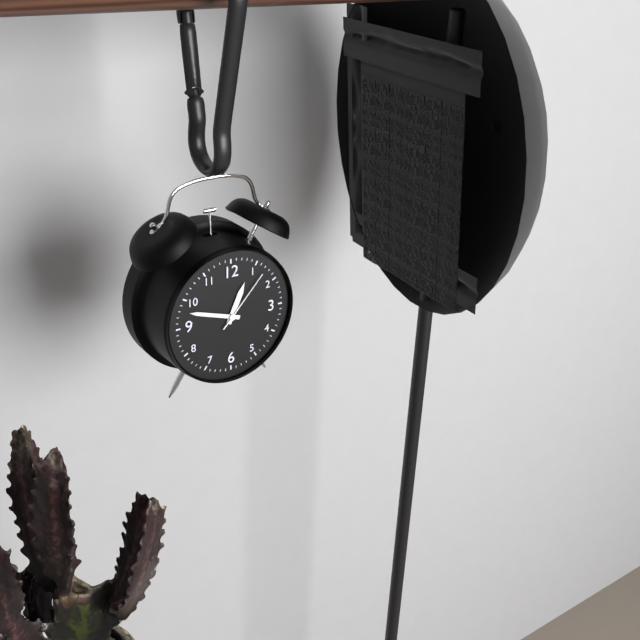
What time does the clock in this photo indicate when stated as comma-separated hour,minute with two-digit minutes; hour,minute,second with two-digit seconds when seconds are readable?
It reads 12,48,07
